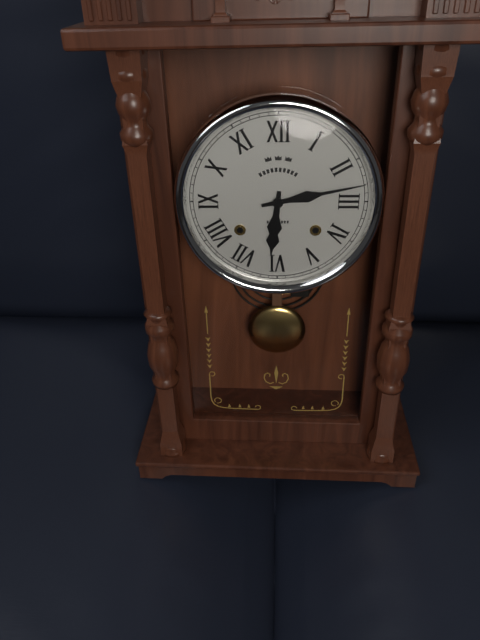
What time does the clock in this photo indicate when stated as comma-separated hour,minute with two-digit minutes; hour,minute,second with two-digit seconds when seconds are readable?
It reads 6,13
